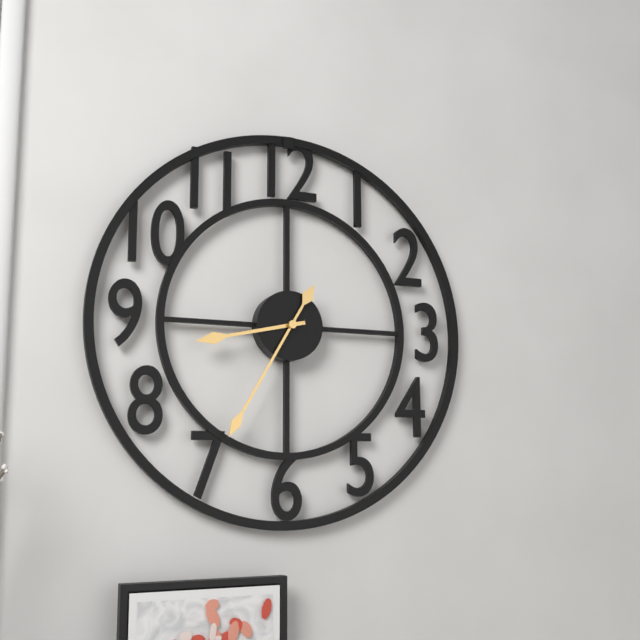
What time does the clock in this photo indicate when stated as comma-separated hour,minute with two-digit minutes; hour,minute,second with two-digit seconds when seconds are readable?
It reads 8,35
